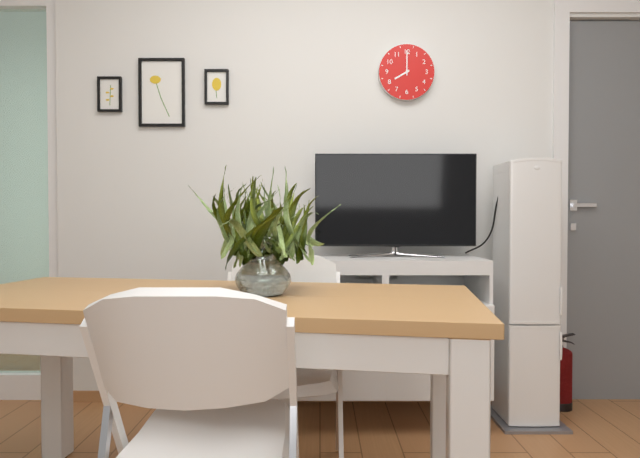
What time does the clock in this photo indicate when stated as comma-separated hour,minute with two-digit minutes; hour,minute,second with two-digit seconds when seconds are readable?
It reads 8,00
